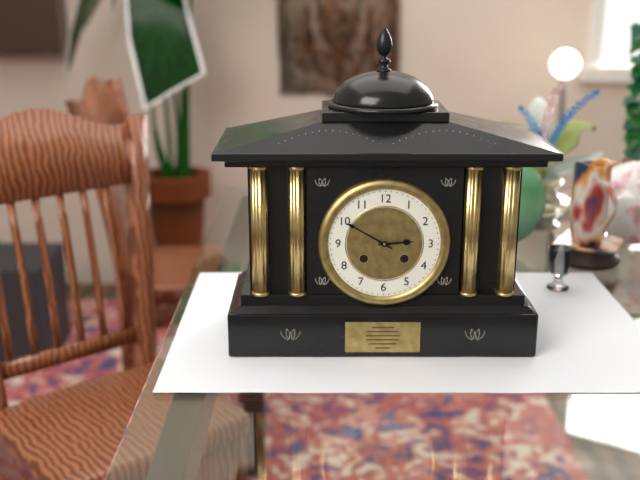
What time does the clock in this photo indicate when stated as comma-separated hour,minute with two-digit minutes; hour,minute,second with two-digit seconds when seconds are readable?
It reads 2,50
